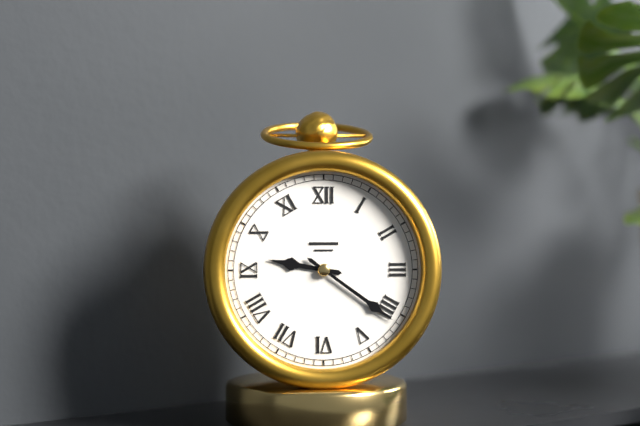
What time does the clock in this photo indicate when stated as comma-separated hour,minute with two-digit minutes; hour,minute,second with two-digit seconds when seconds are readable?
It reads 9,21
